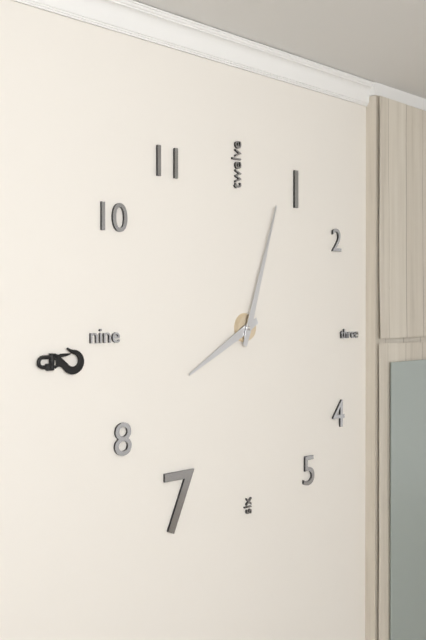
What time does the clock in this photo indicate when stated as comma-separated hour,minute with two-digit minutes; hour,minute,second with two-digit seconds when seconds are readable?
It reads 8,03
